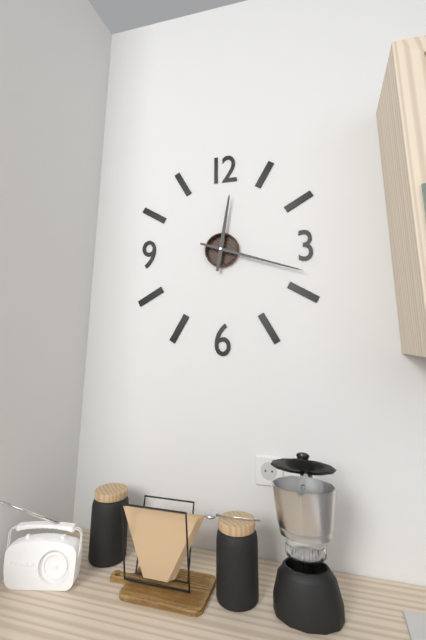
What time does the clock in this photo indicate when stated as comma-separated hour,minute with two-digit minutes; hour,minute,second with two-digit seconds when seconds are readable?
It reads 12,18
